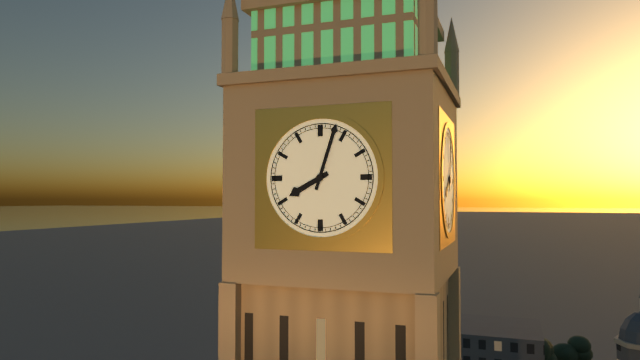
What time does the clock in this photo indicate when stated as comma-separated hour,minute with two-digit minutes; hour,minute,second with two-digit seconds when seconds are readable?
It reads 8,03
